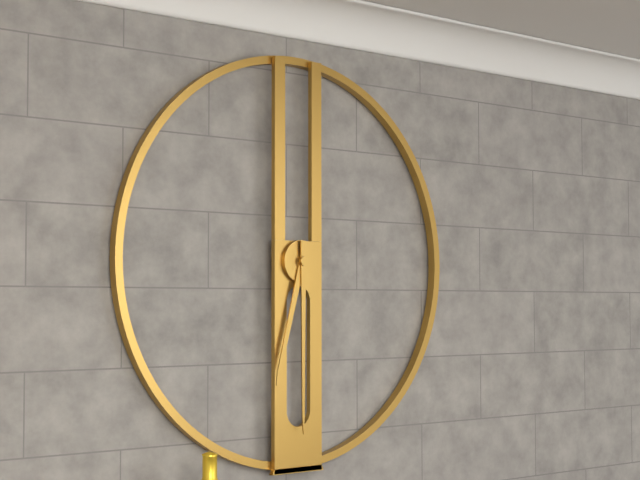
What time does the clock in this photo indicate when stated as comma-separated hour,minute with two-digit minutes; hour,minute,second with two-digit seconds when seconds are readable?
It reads 6,30
